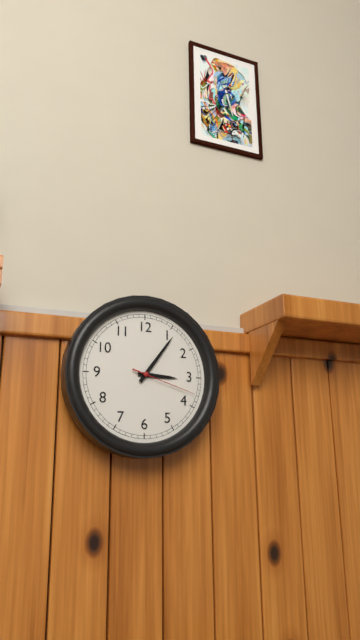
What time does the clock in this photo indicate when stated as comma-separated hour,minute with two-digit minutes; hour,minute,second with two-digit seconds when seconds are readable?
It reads 3,06,18
